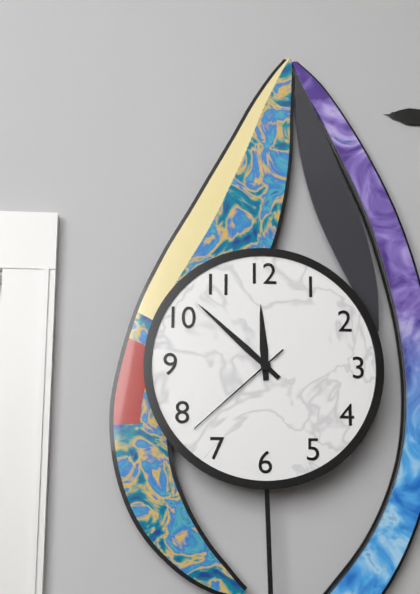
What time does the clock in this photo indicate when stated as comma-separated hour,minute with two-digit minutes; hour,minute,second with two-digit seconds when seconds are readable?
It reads 11,52,38
